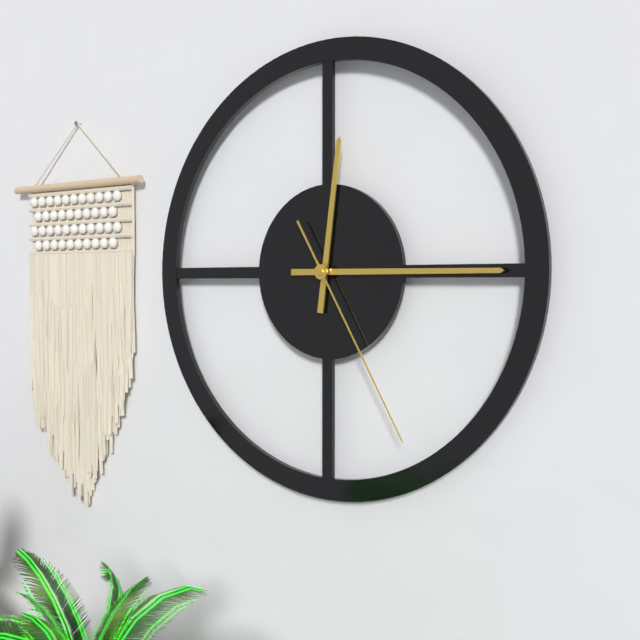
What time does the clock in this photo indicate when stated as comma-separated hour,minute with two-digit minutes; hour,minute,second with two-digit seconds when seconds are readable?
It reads 12,15,25
